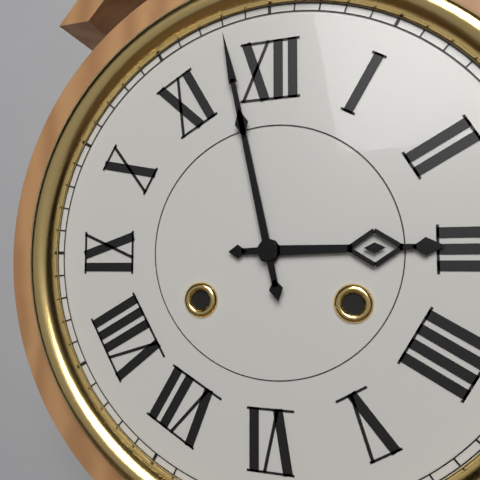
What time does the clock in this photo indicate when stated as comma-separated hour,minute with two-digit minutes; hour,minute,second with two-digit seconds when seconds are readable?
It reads 2,58
